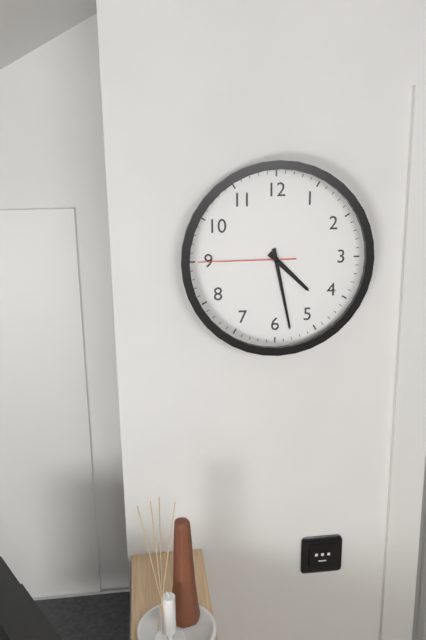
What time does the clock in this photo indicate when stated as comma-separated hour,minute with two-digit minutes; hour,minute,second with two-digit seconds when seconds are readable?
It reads 4,28,45
